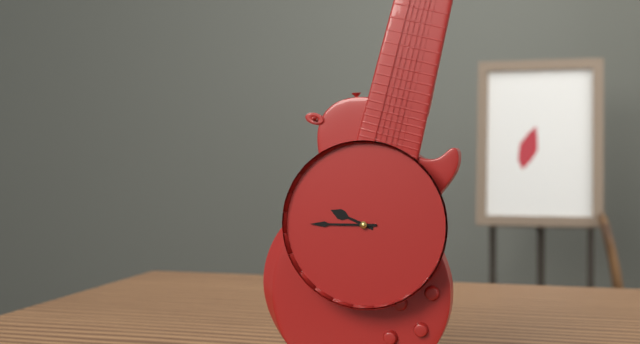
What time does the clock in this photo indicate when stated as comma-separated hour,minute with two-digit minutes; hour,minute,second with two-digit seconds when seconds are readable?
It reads 9,45
